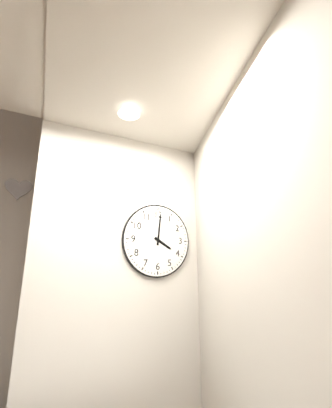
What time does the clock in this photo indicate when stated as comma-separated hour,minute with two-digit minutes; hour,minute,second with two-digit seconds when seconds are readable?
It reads 4,01
